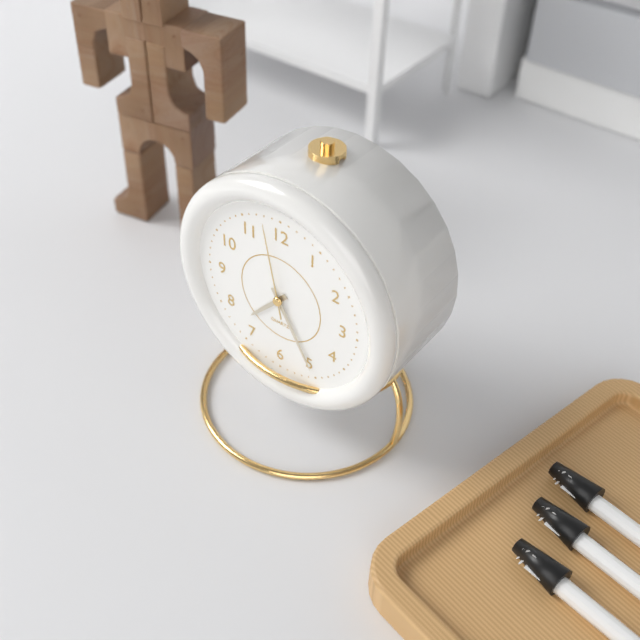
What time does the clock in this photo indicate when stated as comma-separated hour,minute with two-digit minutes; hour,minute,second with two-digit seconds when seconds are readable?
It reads 7,25,58
